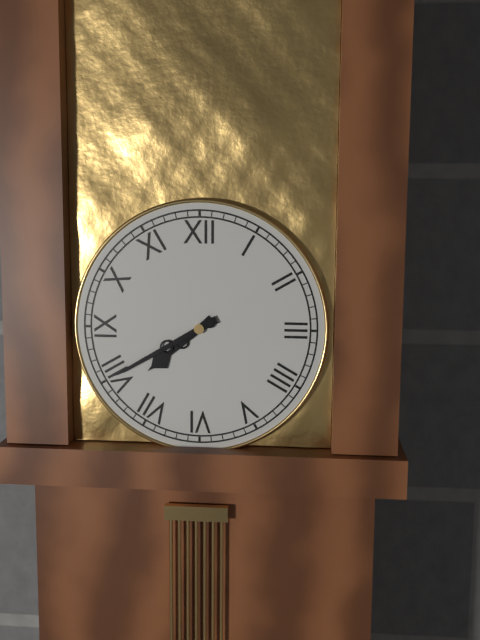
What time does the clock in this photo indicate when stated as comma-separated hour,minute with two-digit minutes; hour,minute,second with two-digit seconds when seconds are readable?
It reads 7,40
